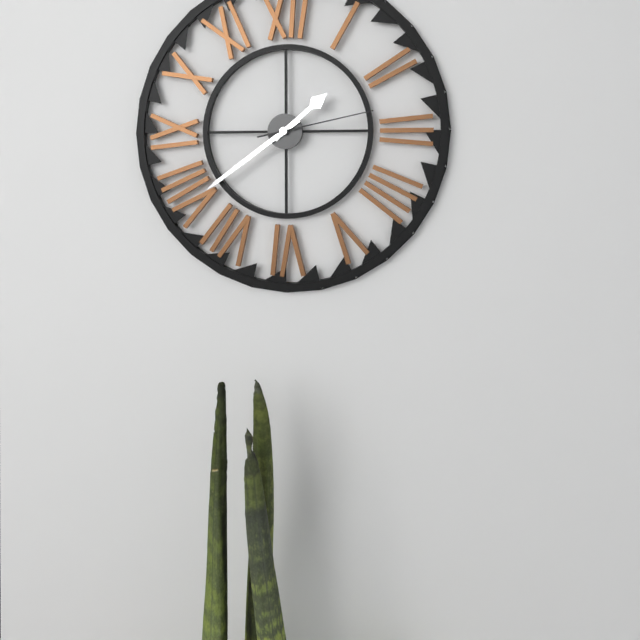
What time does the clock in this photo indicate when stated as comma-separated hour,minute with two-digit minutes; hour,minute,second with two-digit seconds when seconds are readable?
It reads 1,39,13
